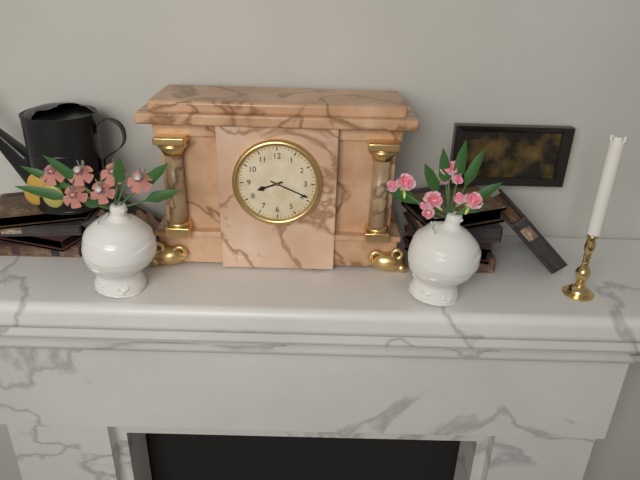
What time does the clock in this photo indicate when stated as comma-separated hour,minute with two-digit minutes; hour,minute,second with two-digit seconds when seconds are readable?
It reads 8,19
